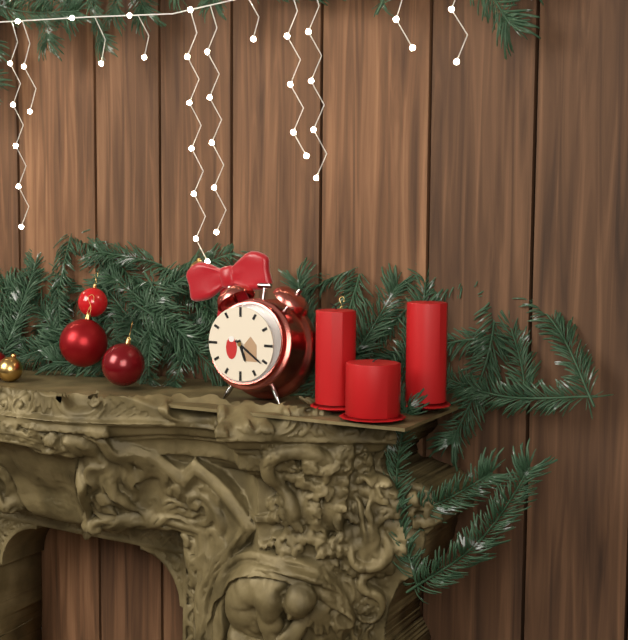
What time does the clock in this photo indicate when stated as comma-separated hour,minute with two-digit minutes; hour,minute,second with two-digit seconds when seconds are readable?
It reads 5,21
